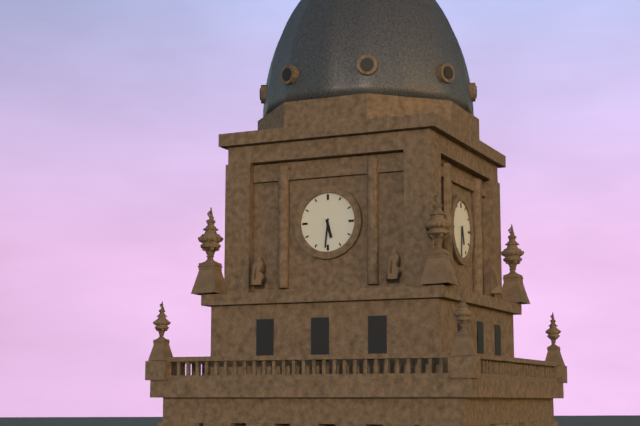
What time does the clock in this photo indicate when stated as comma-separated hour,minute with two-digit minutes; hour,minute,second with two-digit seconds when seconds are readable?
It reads 5,31
